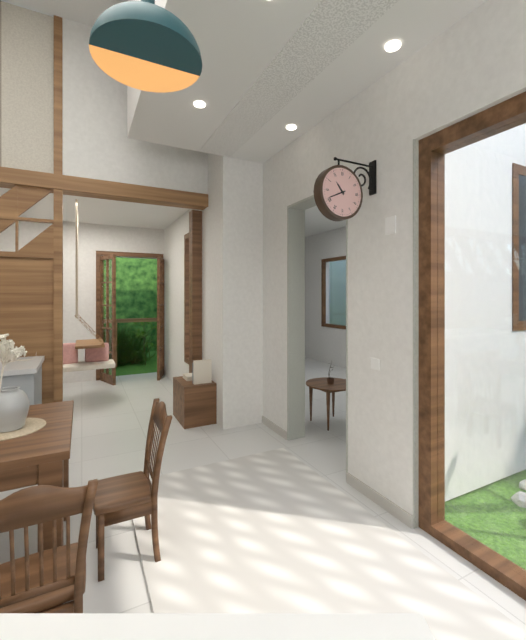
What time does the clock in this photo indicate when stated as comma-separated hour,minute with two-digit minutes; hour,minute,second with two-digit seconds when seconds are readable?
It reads 10,41
